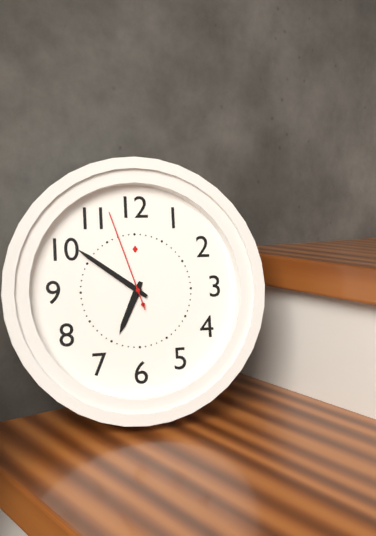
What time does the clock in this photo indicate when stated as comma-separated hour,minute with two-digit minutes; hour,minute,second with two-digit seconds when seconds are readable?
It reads 6,51,57
